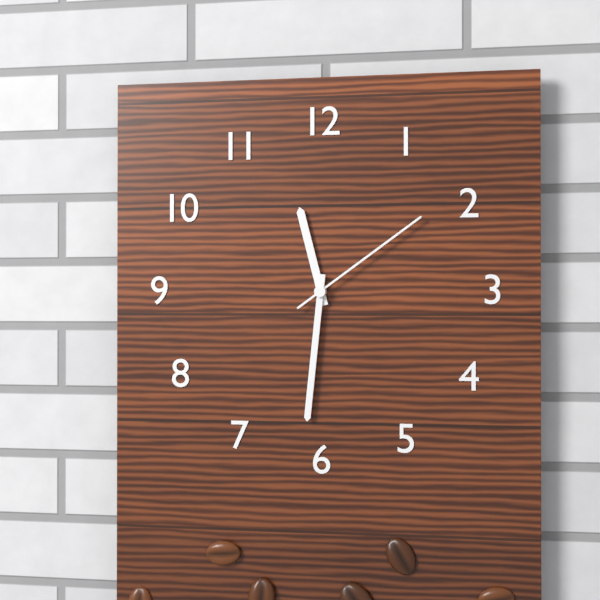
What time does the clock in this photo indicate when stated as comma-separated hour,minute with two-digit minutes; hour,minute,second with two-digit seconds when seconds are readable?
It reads 11,31,09
